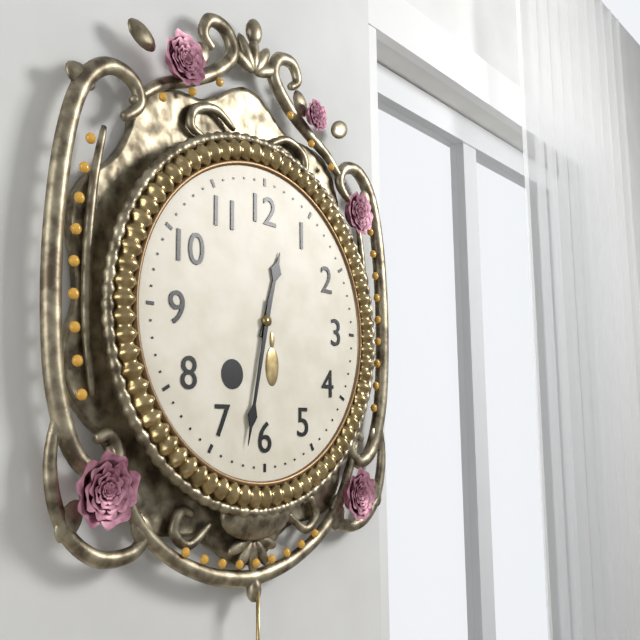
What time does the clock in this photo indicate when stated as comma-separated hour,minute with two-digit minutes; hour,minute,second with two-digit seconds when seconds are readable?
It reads 12,32
